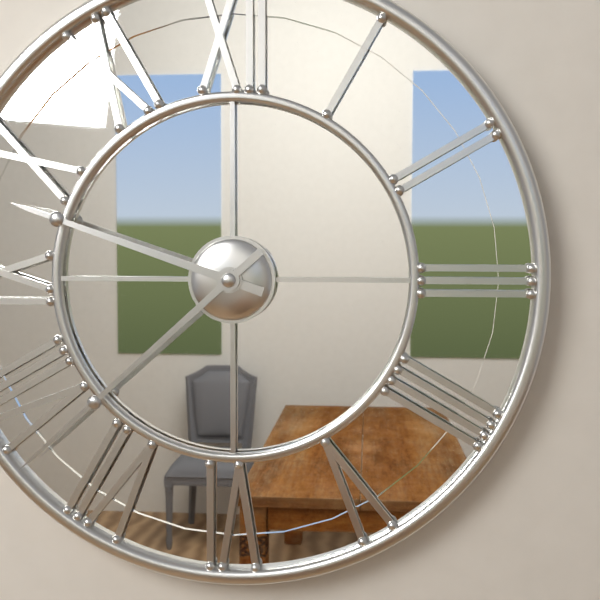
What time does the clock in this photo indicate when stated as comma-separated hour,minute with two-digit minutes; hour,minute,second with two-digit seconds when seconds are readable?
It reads 9,38
